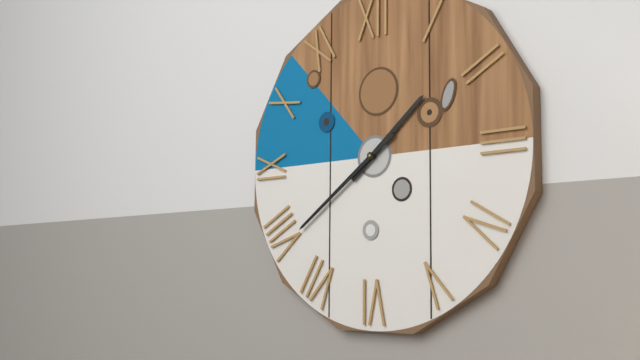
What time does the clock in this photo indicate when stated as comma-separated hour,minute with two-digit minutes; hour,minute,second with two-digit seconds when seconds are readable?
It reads 1,39
